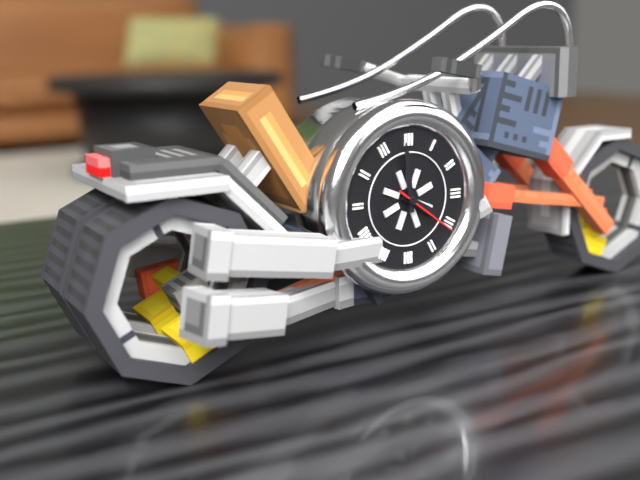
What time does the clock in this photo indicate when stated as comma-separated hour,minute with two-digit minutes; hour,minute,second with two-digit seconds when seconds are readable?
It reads 3,59,21
